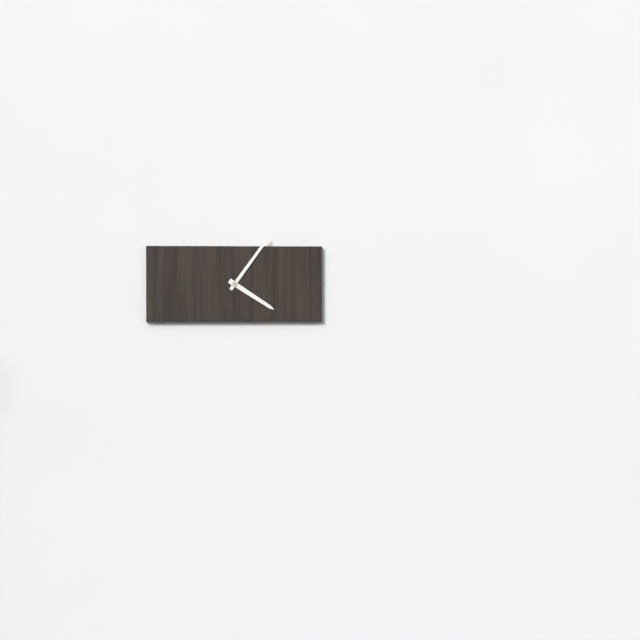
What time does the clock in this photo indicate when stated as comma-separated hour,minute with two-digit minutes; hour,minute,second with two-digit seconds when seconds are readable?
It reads 4,06
